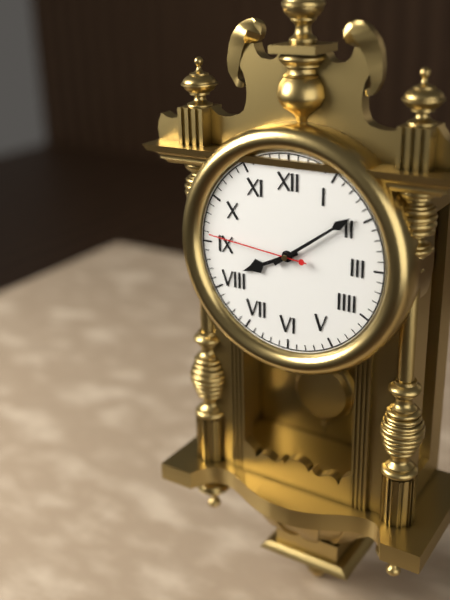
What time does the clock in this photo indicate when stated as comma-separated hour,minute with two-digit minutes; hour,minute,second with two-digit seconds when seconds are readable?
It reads 8,09,46
